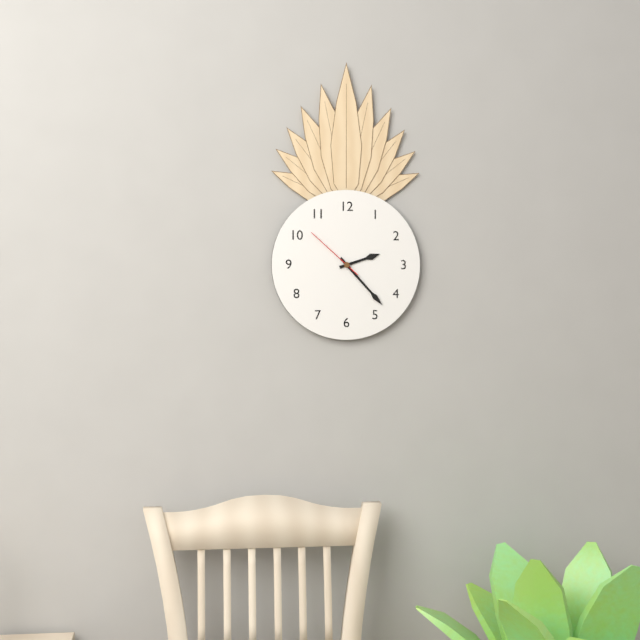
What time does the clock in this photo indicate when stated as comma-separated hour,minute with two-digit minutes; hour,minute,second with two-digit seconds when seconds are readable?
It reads 2,23,52
